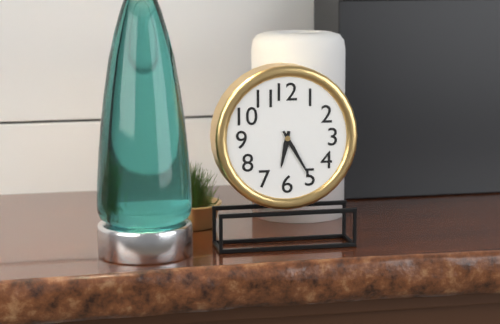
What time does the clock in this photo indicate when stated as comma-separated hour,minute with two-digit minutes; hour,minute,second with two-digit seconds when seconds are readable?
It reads 6,25
